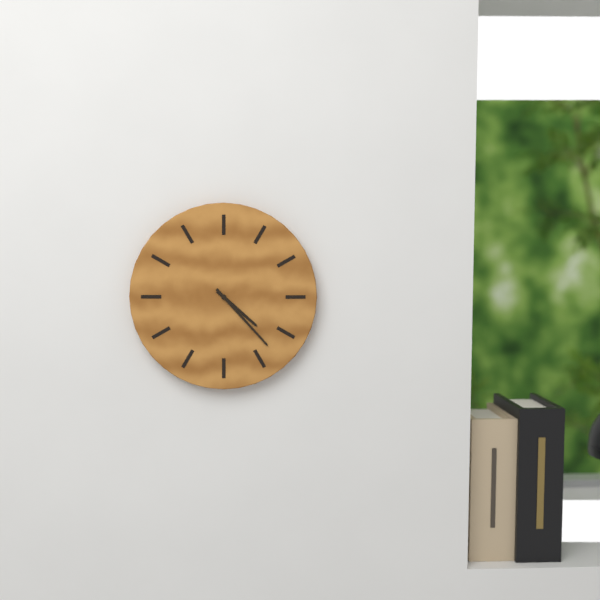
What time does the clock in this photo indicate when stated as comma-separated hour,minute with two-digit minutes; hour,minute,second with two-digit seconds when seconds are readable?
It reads 4,23
